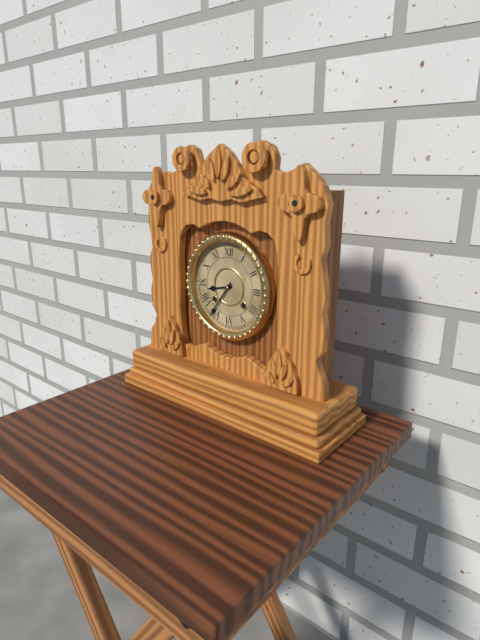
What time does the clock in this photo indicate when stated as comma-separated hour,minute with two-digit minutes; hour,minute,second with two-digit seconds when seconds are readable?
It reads 8,36
